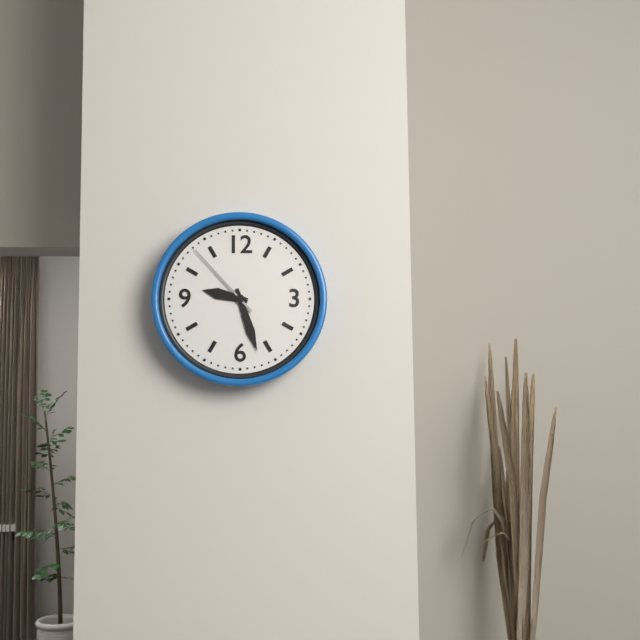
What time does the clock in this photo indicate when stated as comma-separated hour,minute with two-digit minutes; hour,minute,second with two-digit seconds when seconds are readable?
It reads 9,27,53
